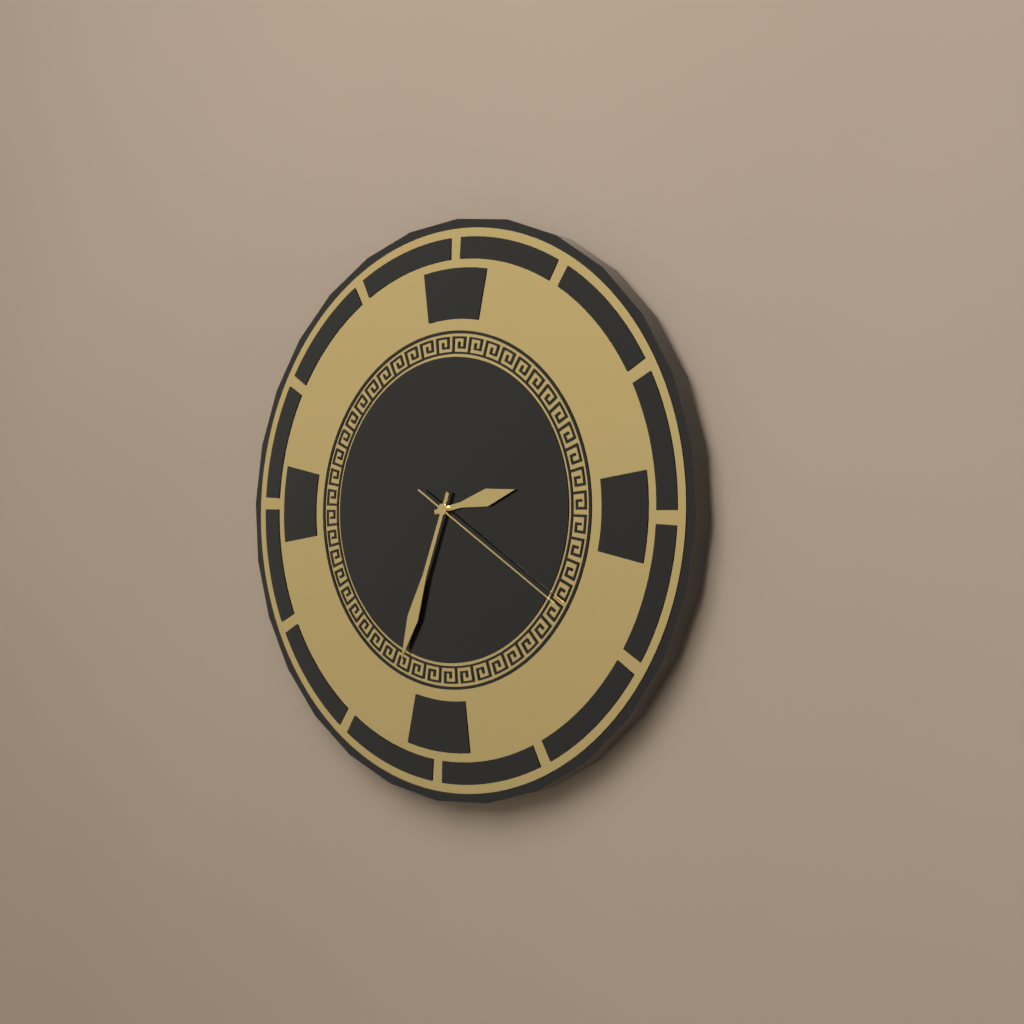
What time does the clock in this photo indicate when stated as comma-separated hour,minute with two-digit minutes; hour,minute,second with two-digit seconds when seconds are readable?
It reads 2,33,20
